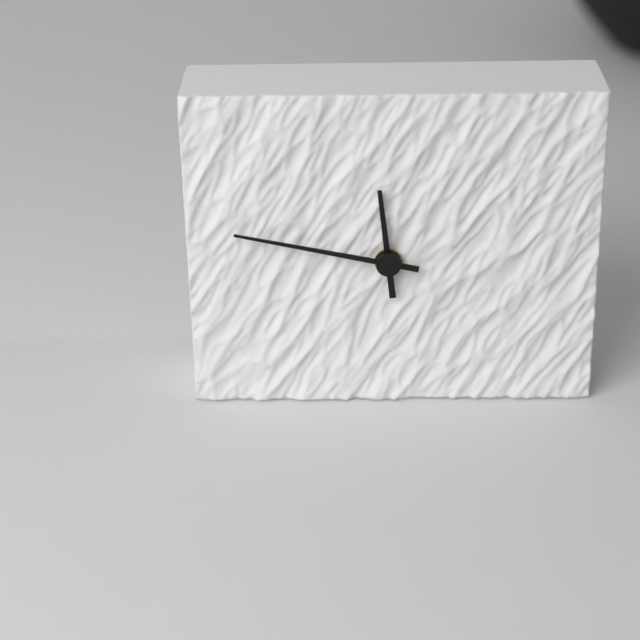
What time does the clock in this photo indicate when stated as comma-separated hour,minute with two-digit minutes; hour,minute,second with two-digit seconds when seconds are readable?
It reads 11,47
